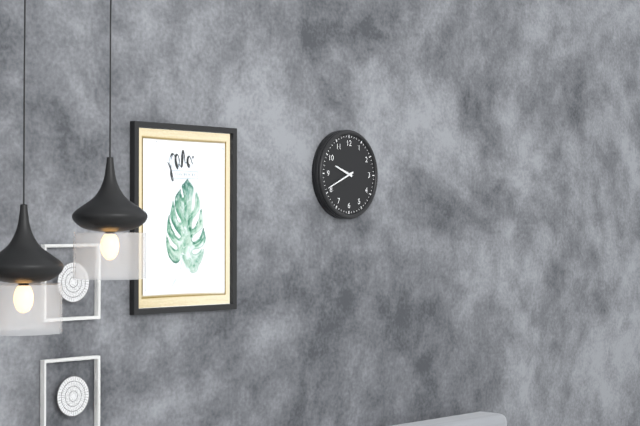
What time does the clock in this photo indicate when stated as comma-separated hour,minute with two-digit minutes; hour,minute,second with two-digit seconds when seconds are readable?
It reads 9,41
